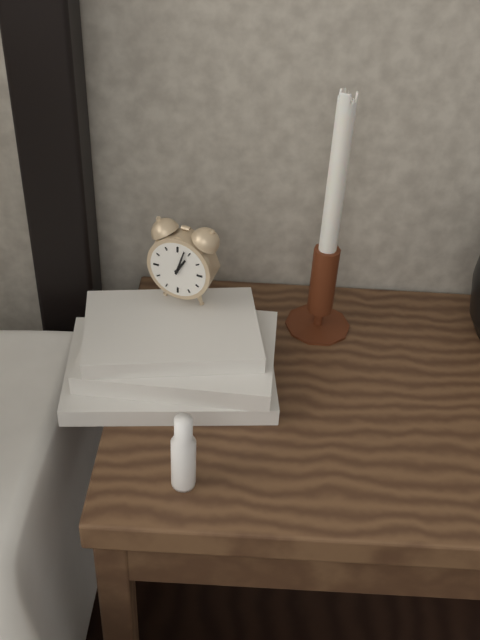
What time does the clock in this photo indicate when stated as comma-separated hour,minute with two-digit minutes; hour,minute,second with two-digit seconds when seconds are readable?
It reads 1,03
